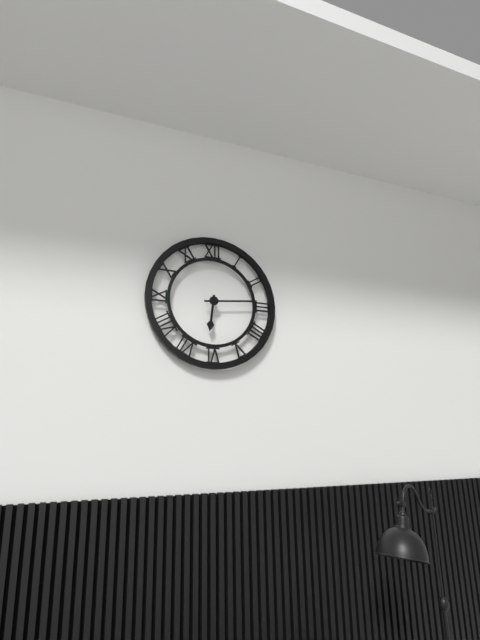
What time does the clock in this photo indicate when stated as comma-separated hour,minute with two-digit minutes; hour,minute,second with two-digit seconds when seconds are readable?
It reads 6,14
